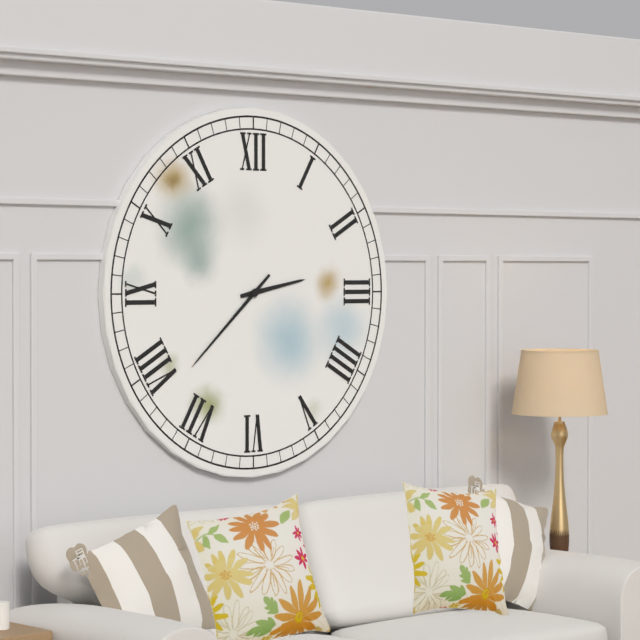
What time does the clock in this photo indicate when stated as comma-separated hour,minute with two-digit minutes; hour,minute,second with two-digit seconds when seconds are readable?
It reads 2,38
